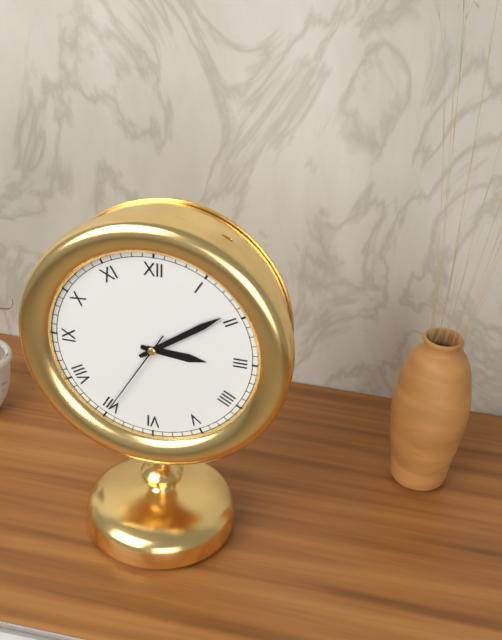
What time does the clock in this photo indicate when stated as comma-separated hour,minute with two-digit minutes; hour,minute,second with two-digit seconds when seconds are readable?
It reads 3,09,35
